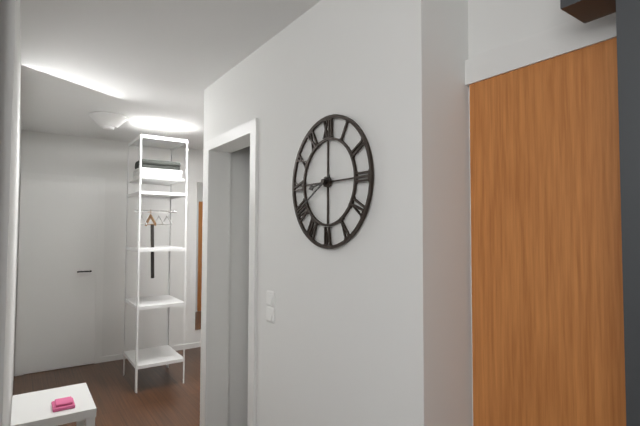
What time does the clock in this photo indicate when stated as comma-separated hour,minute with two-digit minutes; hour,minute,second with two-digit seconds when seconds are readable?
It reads 8,40
